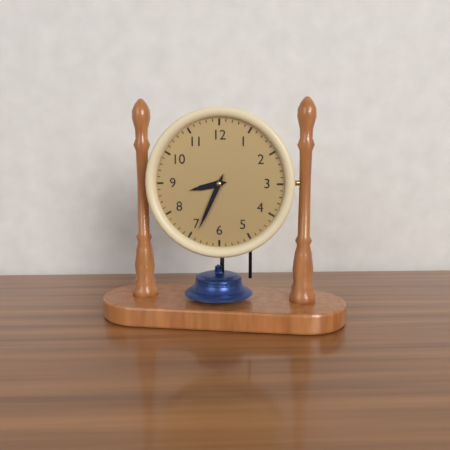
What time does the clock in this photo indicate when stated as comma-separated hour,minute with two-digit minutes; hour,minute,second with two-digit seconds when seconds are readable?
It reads 8,34
